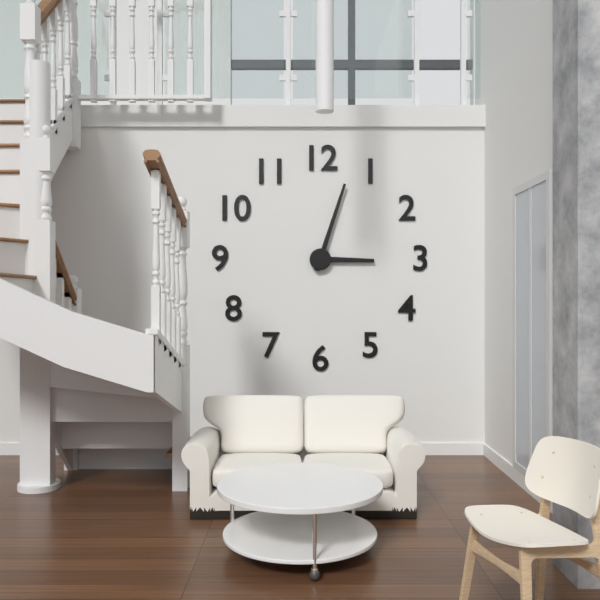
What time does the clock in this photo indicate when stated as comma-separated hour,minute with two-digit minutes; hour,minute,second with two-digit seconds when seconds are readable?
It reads 3,03
